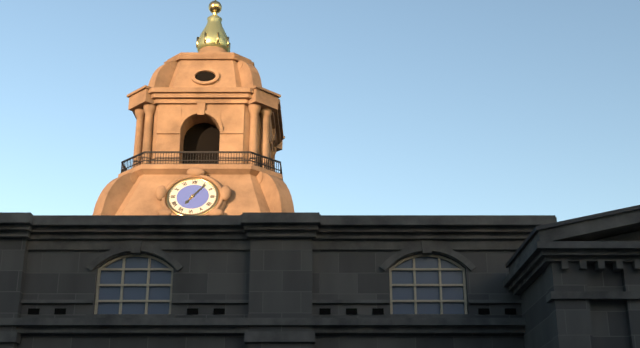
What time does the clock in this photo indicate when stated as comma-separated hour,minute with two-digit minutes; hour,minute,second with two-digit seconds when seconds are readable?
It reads 7,06
